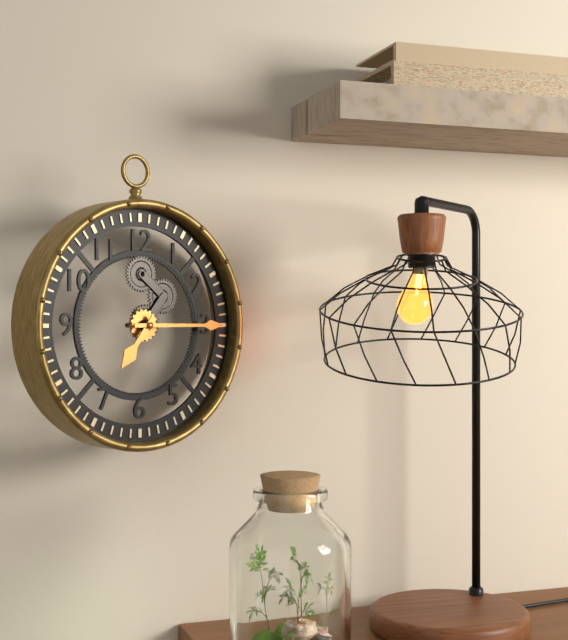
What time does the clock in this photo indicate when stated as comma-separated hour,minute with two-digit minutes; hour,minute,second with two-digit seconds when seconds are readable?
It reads 7,15
